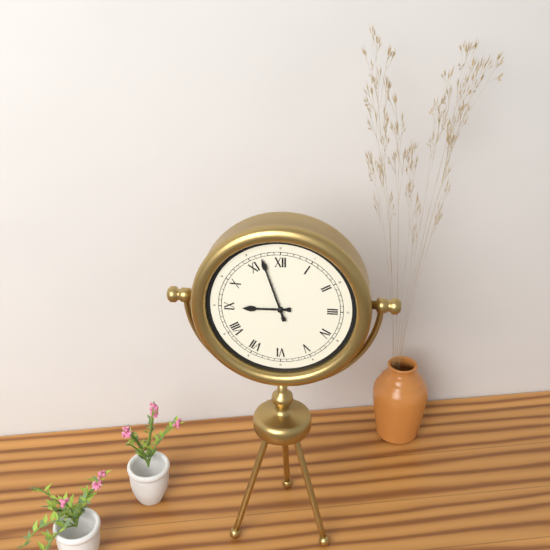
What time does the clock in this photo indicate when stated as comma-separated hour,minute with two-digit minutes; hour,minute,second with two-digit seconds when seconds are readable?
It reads 8,57
